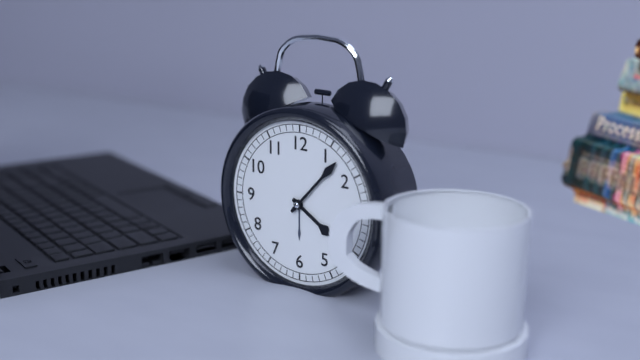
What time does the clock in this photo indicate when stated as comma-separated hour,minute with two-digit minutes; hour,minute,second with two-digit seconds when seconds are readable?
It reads 4,07
